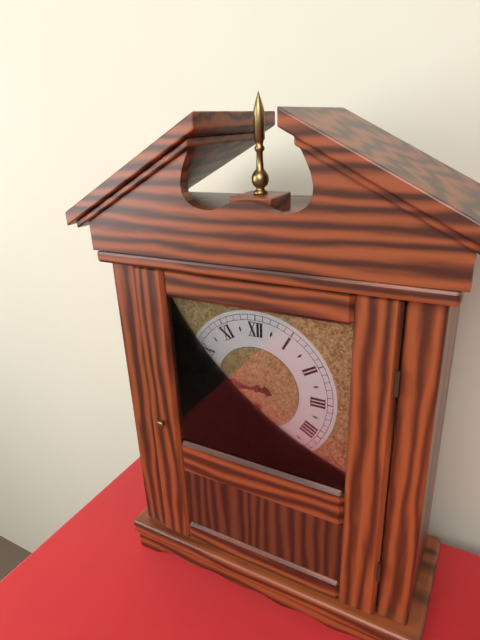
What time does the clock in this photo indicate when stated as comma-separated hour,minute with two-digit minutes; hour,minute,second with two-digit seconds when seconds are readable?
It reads 8,46
